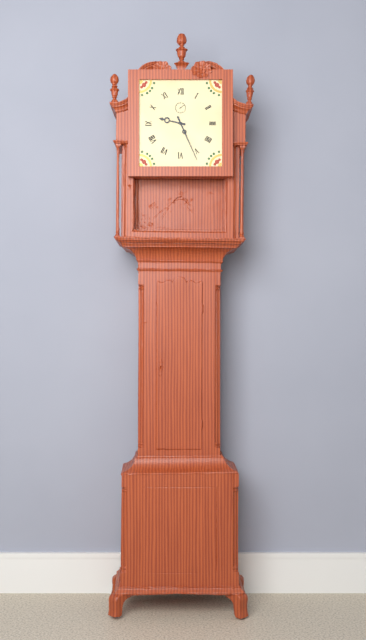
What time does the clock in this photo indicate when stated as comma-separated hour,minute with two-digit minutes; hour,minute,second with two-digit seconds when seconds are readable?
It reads 9,26
